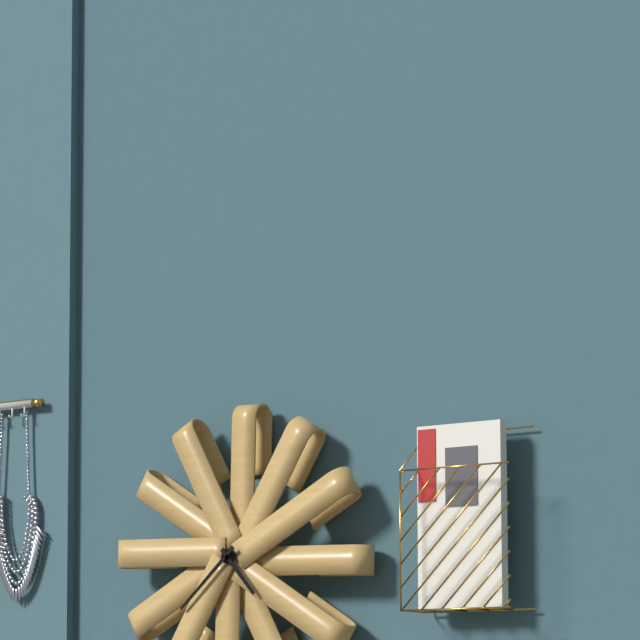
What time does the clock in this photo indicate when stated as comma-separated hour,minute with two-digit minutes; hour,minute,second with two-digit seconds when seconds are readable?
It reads 4,38
